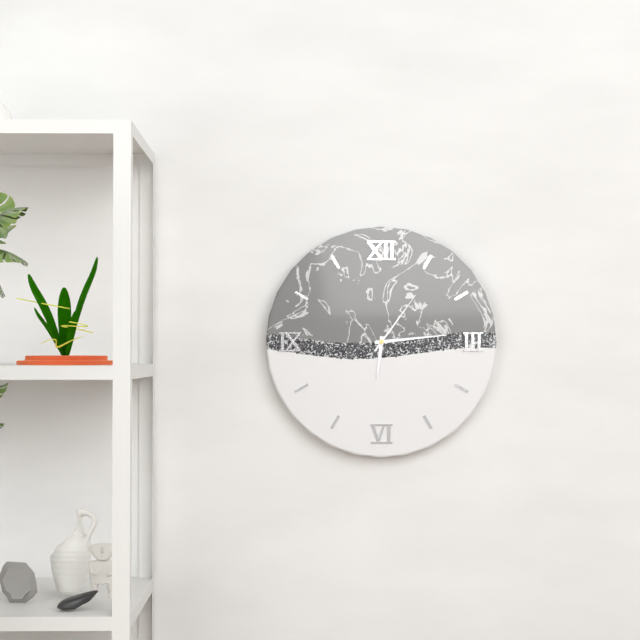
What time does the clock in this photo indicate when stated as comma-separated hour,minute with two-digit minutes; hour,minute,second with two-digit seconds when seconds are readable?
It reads 6,14,06
